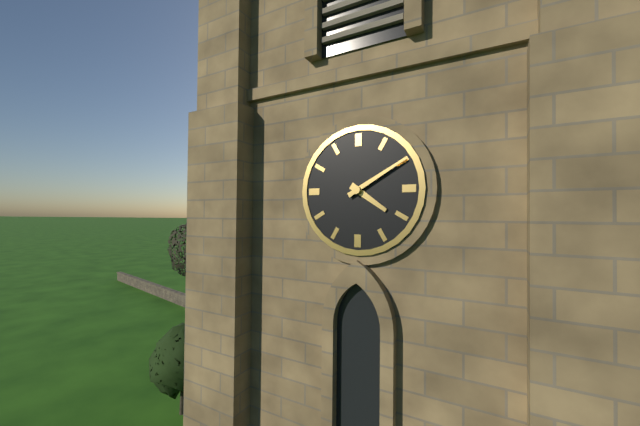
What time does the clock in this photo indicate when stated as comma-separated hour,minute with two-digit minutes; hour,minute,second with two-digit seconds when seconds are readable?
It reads 4,10
